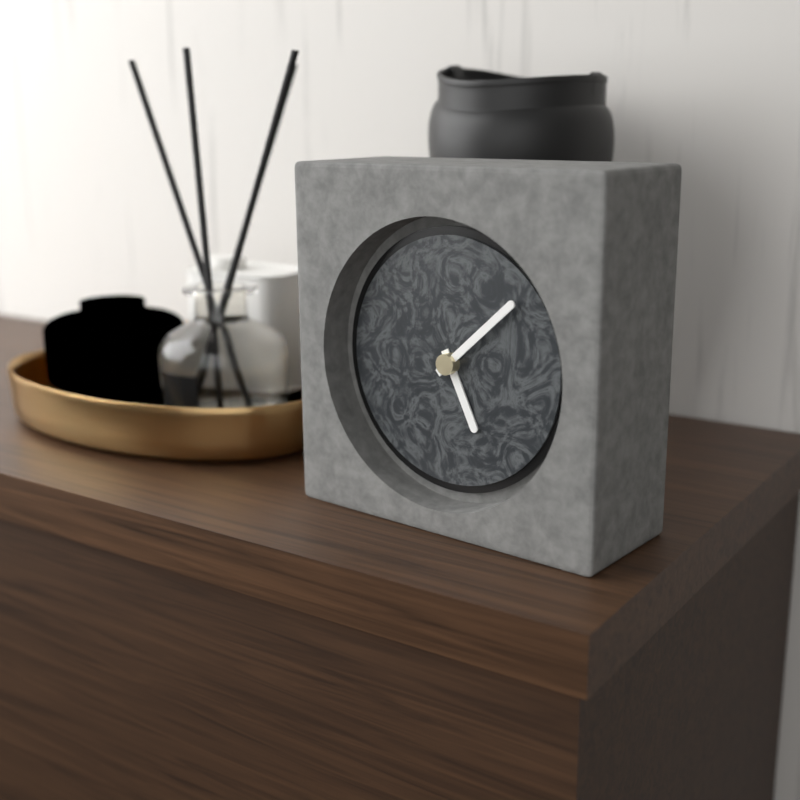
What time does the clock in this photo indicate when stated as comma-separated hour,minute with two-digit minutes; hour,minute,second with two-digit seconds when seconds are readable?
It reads 5,08
